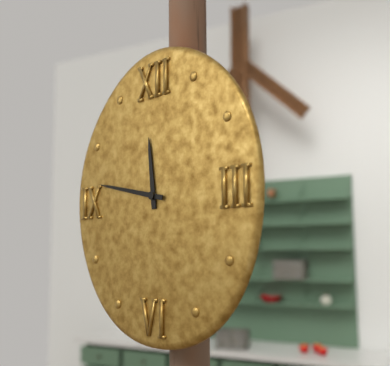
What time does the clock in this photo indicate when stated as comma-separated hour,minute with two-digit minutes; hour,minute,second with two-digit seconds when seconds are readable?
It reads 11,47
